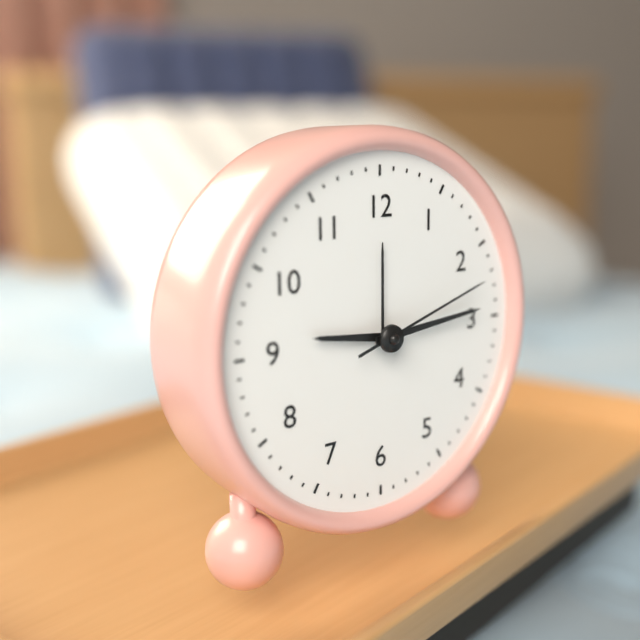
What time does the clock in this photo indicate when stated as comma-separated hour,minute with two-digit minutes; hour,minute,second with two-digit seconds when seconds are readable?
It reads 9,14,12
